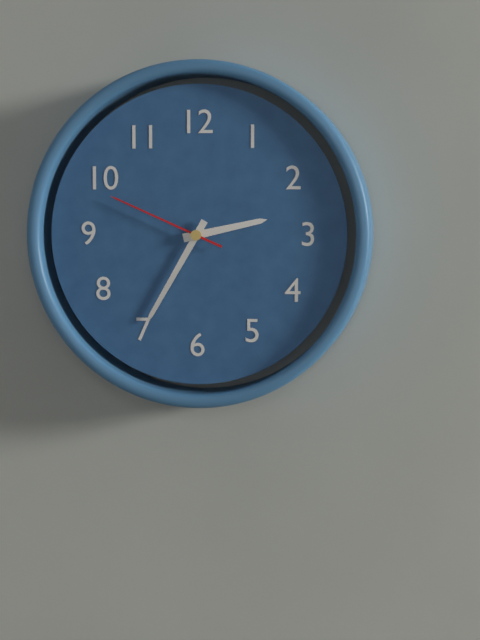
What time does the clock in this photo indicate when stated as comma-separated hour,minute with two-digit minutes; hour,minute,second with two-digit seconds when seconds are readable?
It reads 2,35,49
